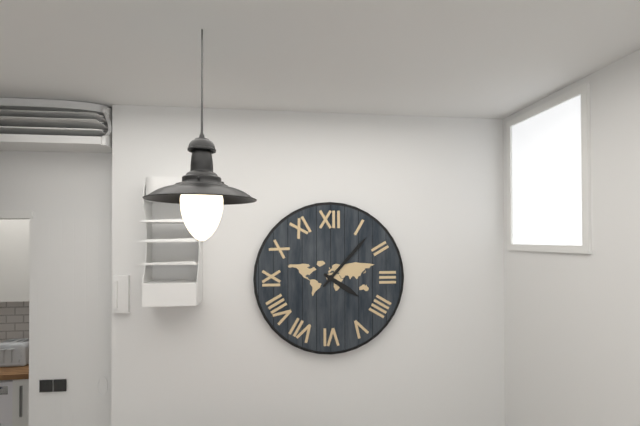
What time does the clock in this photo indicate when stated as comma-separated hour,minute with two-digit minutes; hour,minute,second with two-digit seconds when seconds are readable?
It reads 4,07
